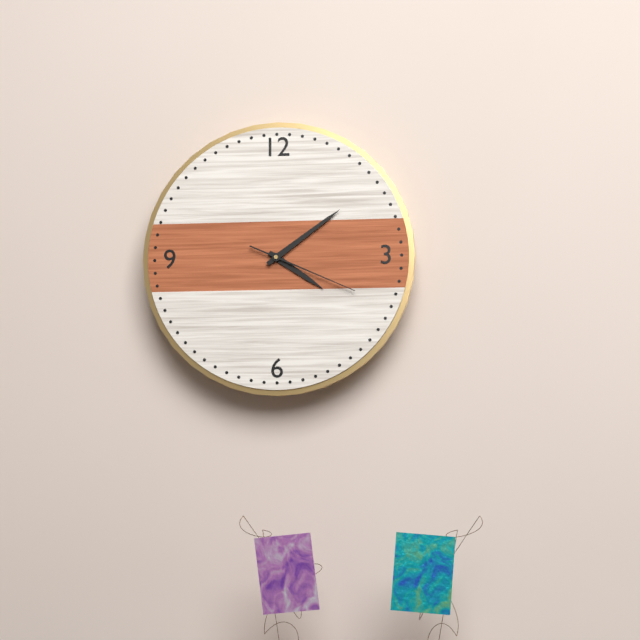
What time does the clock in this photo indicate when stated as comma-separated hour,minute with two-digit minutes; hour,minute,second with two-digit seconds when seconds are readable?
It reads 4,09,19
